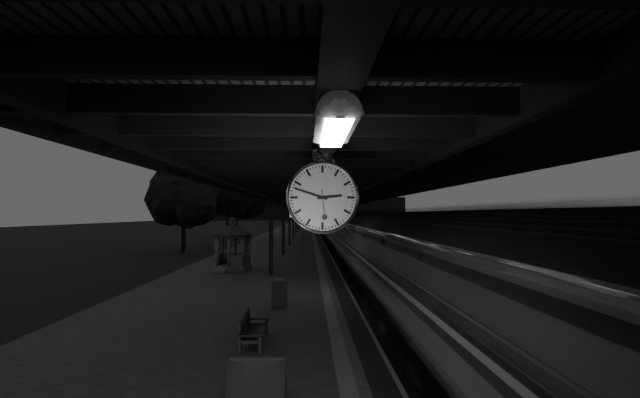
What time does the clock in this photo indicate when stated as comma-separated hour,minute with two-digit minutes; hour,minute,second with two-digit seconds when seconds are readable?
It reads 2,48
